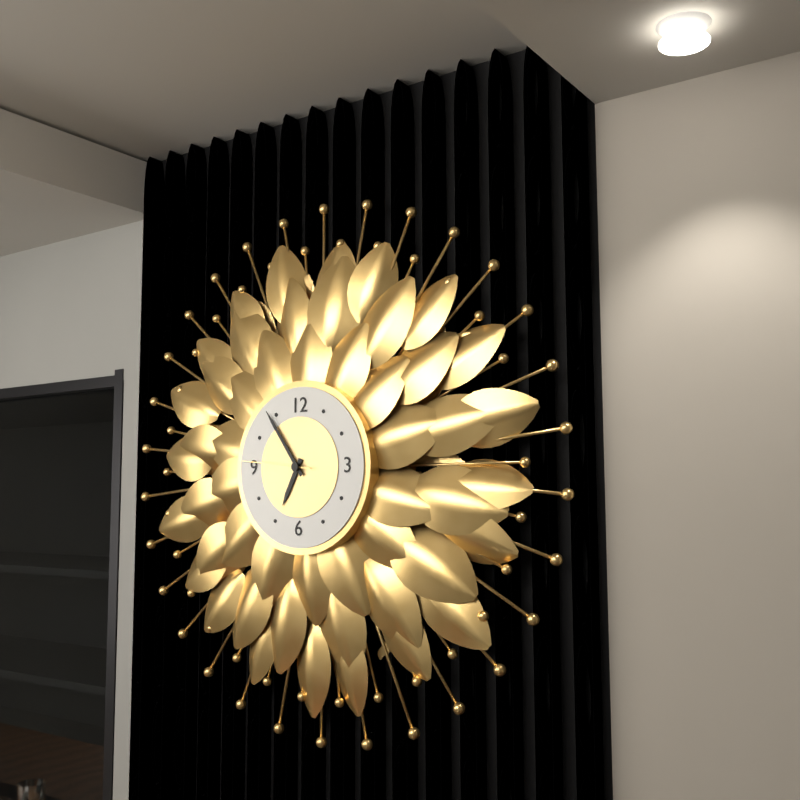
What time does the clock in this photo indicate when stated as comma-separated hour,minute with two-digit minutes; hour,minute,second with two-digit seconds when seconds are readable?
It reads 6,54,46
